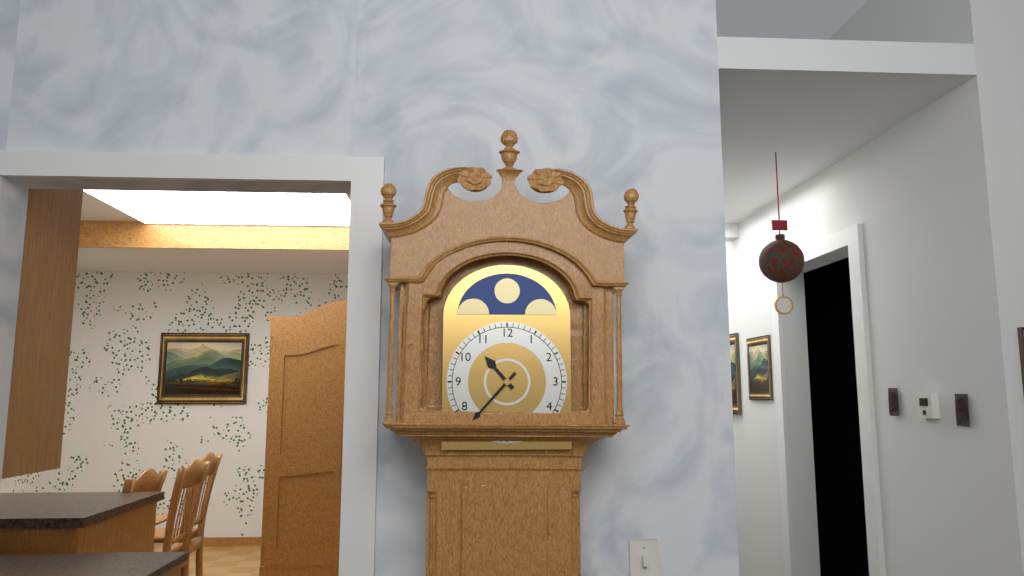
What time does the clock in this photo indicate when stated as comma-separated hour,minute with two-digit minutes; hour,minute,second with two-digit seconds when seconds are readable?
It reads 10,37
